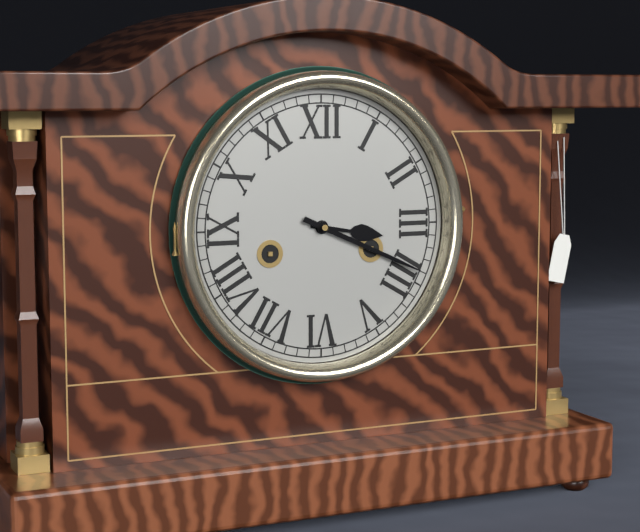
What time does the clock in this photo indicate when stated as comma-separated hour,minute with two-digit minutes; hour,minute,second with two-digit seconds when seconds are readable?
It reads 3,19
